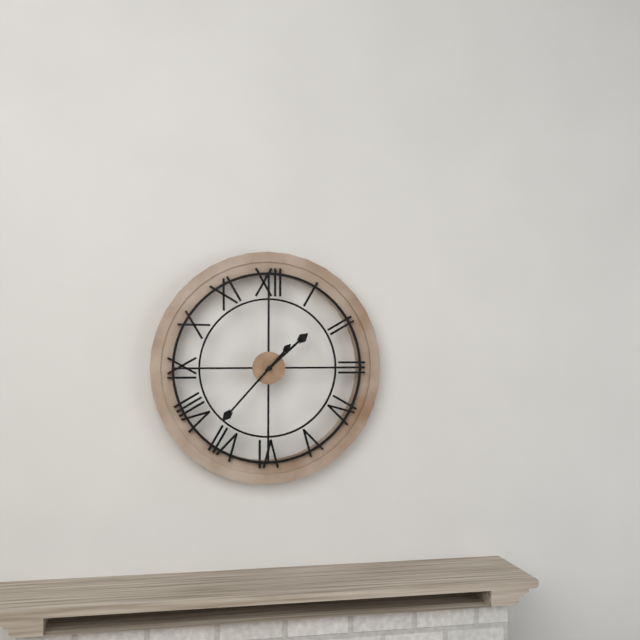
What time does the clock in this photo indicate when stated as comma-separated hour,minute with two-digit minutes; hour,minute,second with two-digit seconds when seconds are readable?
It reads 1,37
